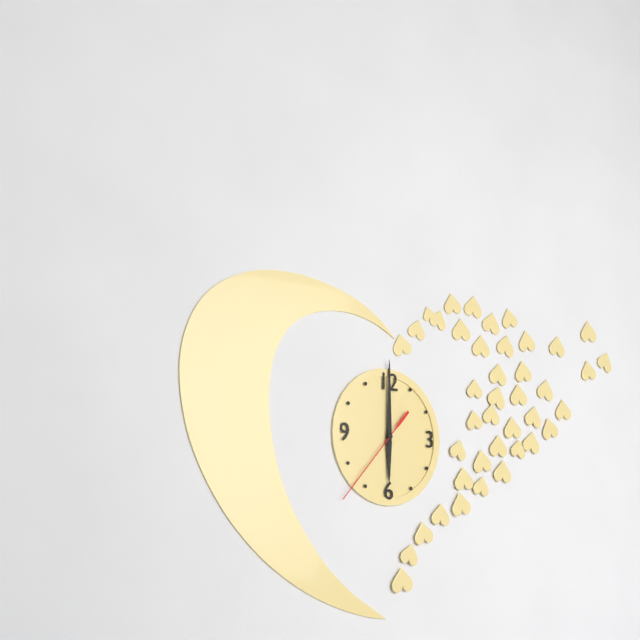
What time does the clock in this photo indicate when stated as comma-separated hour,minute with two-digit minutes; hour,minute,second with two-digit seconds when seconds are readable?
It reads 6,00,37
